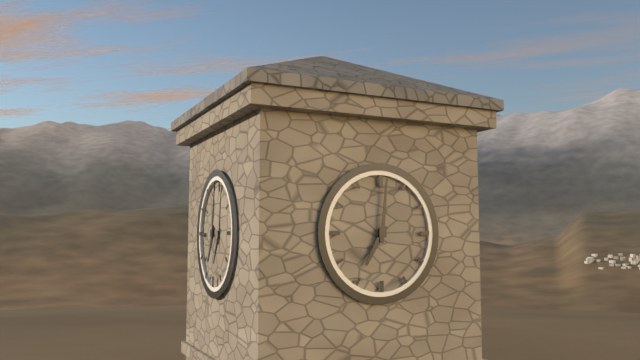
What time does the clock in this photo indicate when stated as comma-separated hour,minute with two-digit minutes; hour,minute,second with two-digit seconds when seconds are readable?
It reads 7,01
